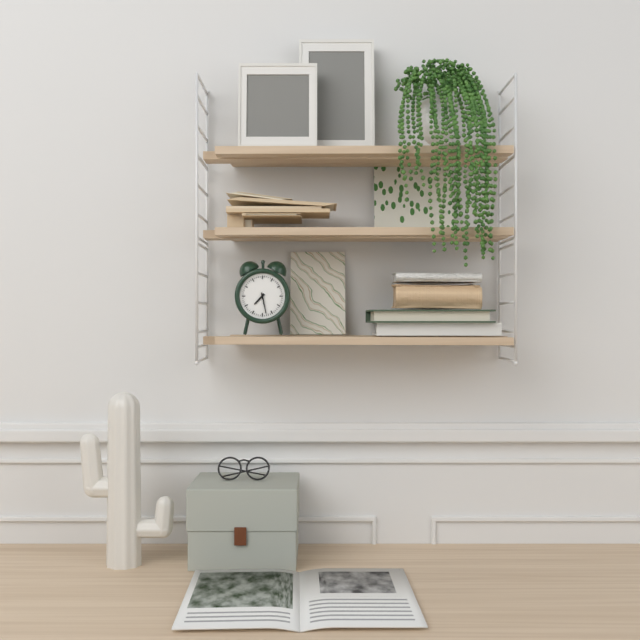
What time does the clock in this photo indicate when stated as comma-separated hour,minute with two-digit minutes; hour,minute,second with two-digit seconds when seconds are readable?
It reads 7,28
